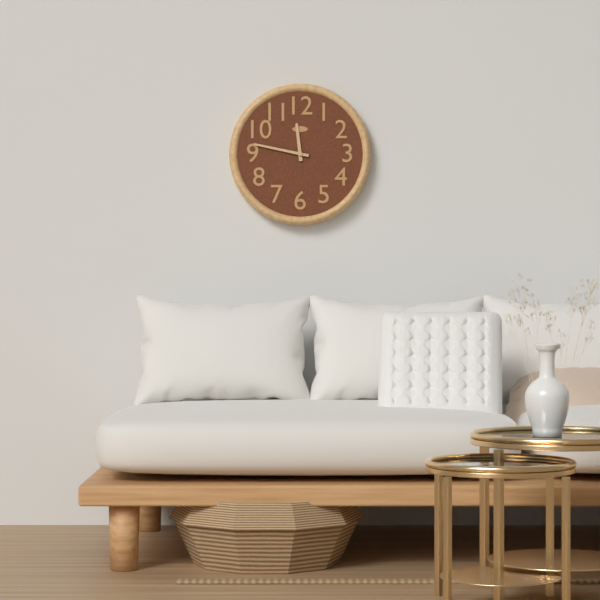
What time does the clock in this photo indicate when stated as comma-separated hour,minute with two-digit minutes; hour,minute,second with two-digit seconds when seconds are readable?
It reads 11,47
